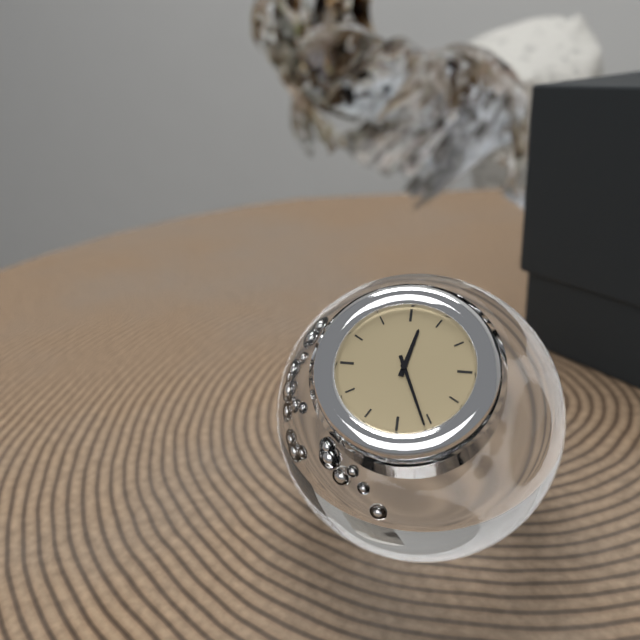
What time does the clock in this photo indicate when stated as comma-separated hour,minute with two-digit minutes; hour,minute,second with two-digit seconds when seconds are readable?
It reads 12,26
